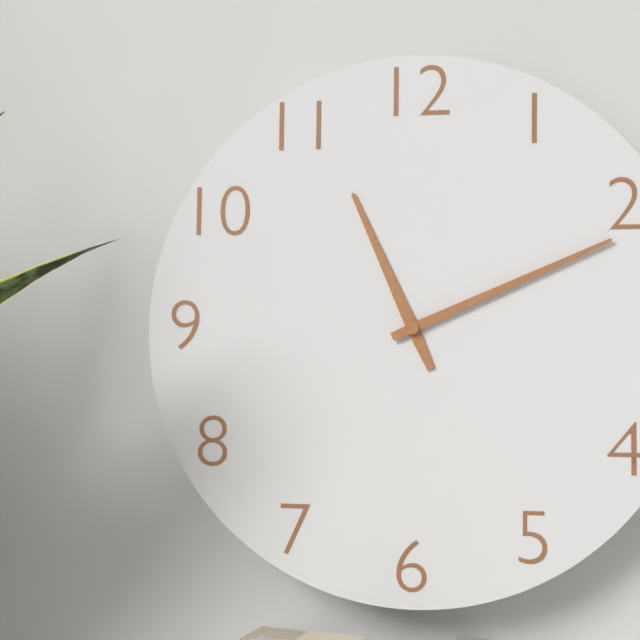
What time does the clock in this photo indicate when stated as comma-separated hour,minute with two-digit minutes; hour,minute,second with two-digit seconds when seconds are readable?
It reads 11,11
